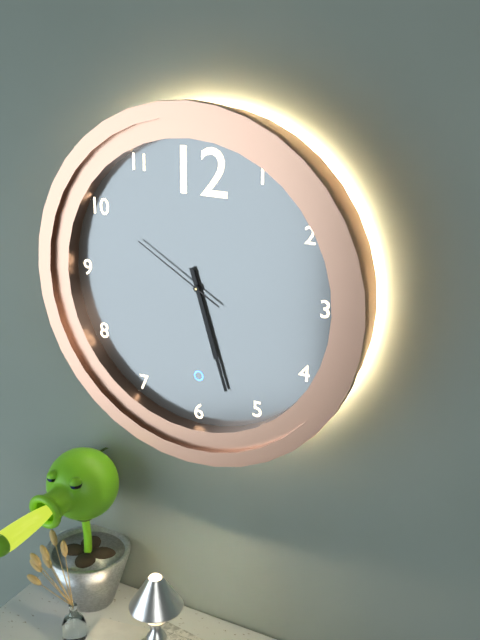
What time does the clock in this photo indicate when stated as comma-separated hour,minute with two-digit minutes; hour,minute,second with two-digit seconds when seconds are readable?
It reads 5,27,50
